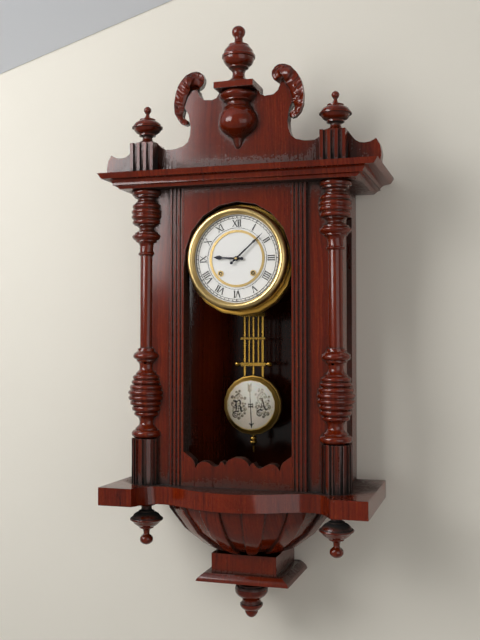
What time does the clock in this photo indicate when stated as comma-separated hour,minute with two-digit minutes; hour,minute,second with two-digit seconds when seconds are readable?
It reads 9,08
